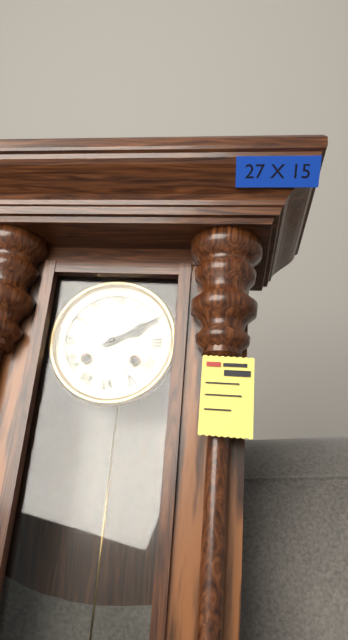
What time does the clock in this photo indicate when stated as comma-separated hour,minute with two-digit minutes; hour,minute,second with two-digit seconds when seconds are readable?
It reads 2,10
